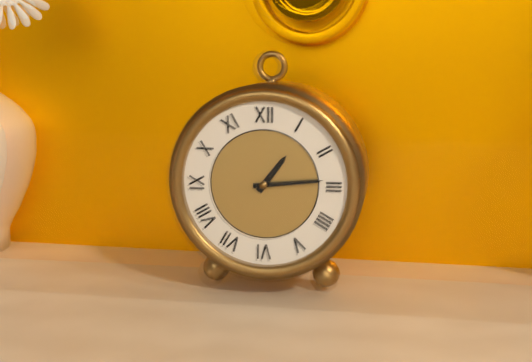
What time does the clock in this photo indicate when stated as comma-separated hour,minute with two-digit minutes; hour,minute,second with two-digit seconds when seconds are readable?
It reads 1,14
